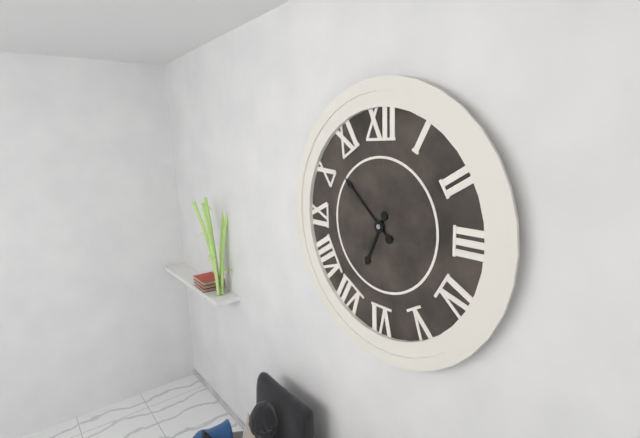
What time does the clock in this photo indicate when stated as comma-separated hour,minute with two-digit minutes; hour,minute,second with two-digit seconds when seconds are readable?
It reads 6,52
